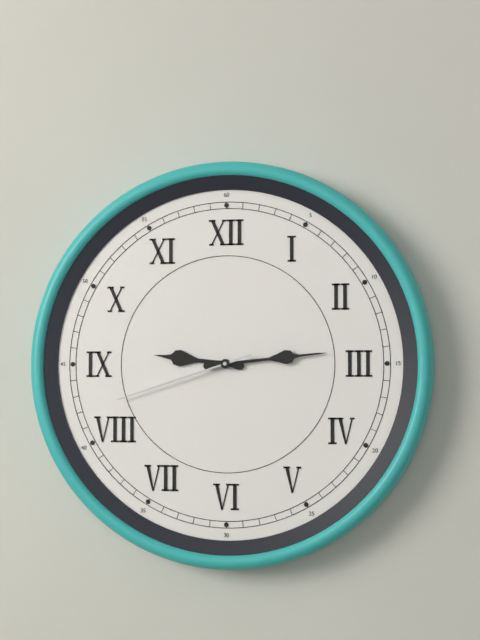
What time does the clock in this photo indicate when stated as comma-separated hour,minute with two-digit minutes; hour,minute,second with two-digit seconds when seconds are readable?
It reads 9,14,42
